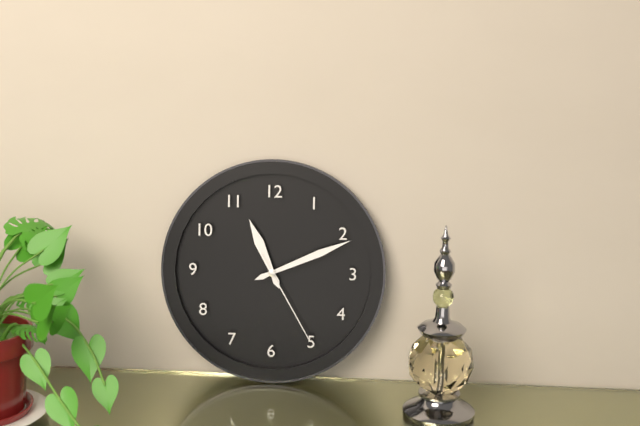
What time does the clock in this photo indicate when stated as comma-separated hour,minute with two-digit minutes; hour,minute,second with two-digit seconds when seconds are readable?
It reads 11,11,25
